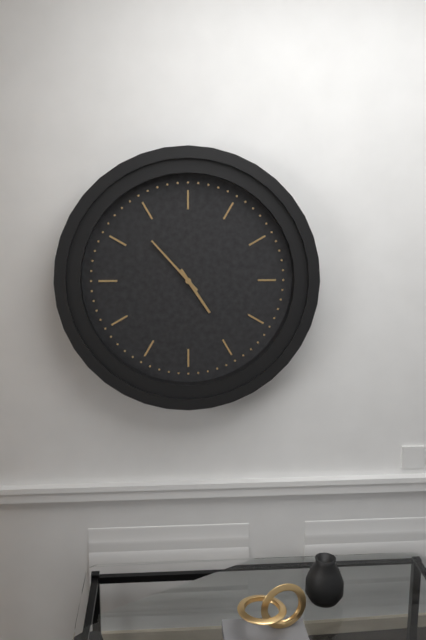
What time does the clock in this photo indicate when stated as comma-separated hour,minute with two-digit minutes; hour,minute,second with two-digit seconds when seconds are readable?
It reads 4,53
